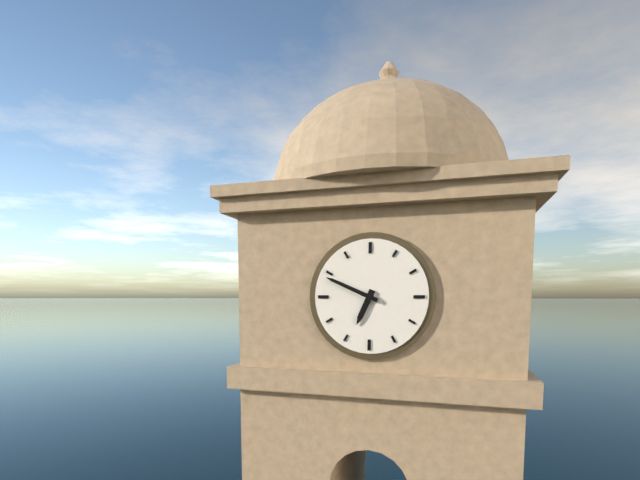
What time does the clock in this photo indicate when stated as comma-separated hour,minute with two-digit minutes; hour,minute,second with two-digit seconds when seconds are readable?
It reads 6,49
